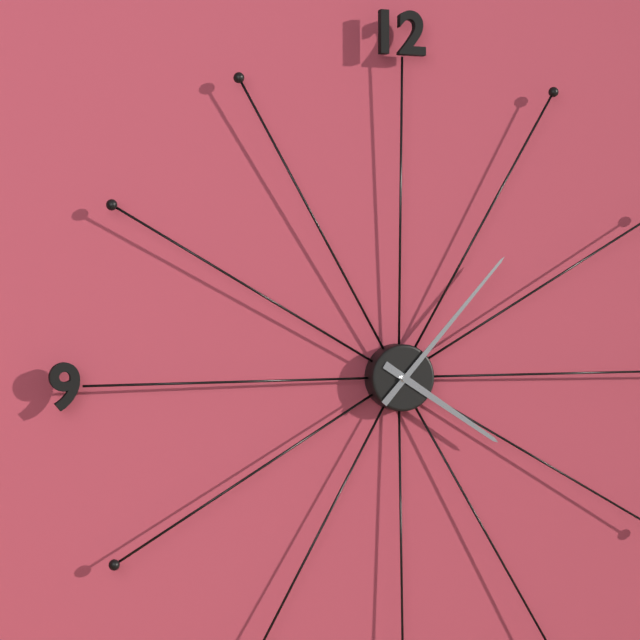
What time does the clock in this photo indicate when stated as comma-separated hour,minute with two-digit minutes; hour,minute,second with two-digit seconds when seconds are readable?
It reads 4,07
